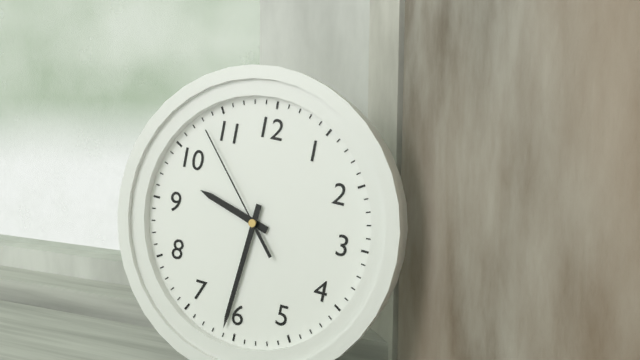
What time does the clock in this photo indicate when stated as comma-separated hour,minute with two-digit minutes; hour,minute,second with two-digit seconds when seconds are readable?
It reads 9,31,53
